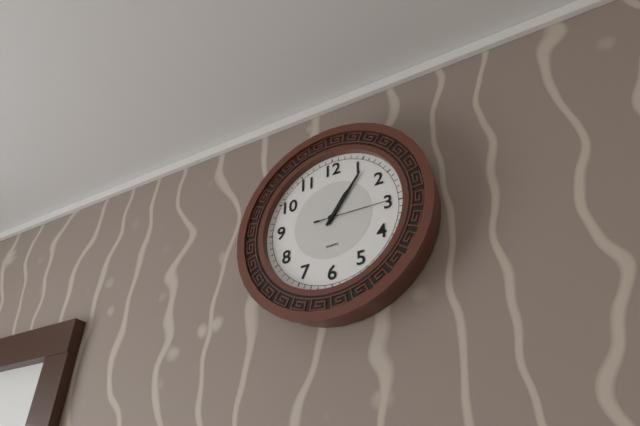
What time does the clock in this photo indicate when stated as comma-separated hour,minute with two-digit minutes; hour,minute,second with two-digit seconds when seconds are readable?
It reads 1,06,15
